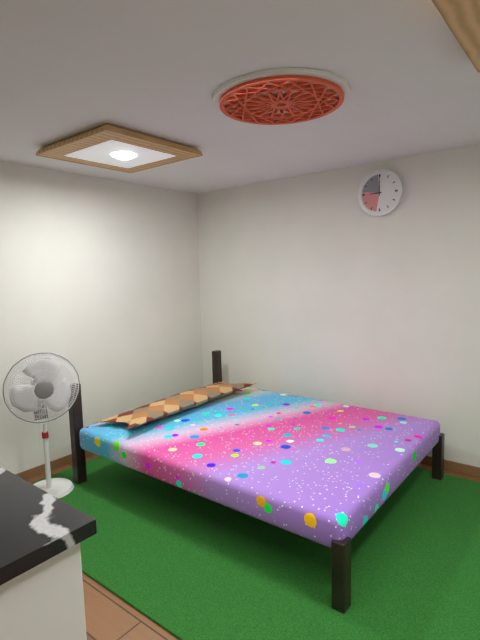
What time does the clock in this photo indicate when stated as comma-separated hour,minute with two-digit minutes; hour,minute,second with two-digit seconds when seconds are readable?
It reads 9,00
